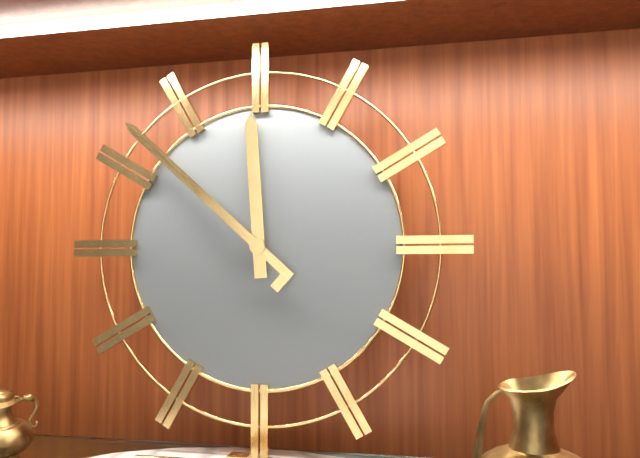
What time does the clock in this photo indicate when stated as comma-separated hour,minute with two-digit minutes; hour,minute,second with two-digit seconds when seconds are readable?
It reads 11,52
